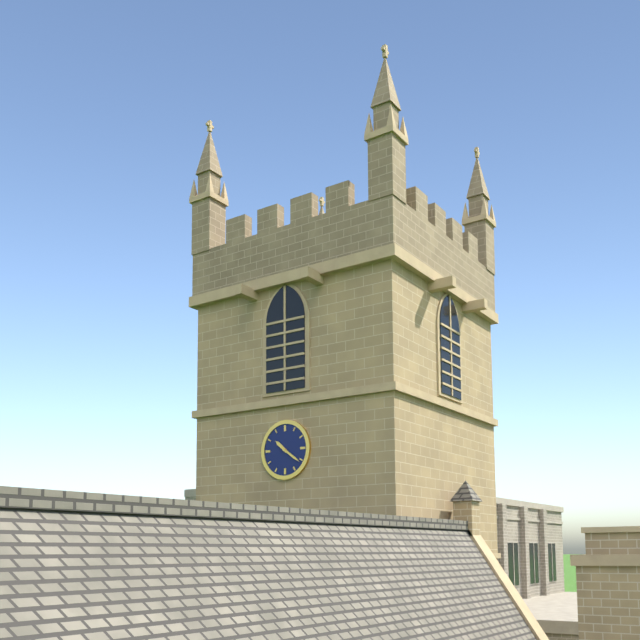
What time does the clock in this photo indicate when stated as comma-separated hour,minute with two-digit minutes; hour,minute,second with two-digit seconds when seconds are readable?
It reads 10,21
